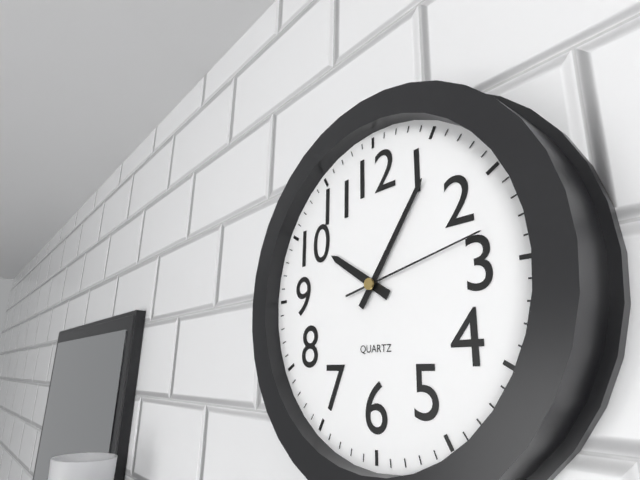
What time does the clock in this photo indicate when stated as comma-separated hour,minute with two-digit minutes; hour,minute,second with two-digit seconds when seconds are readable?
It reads 10,06,13
